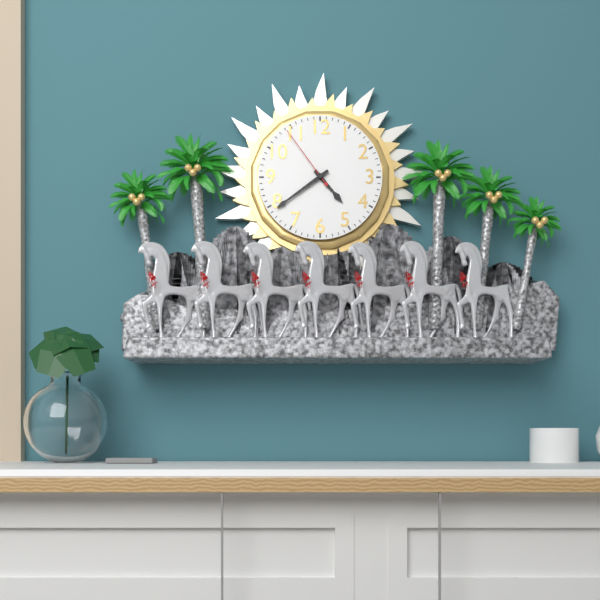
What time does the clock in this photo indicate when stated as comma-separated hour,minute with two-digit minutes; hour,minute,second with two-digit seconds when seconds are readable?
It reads 4,39,54
